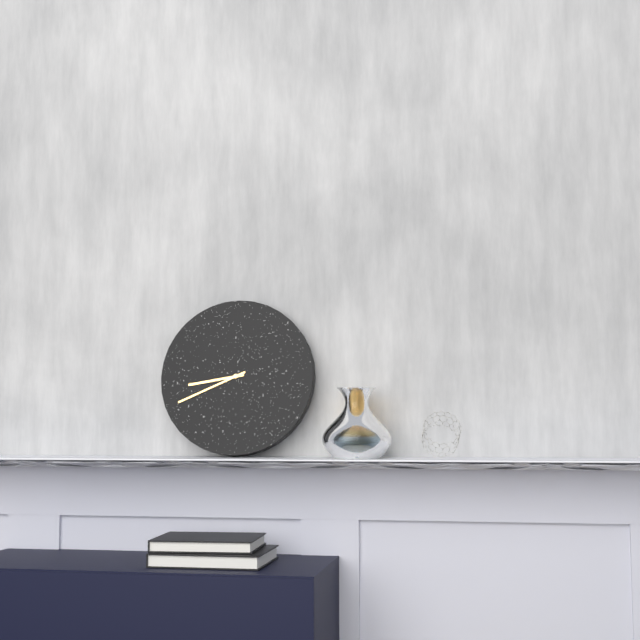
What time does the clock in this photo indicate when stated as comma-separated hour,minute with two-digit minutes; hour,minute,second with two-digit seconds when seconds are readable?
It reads 8,41
